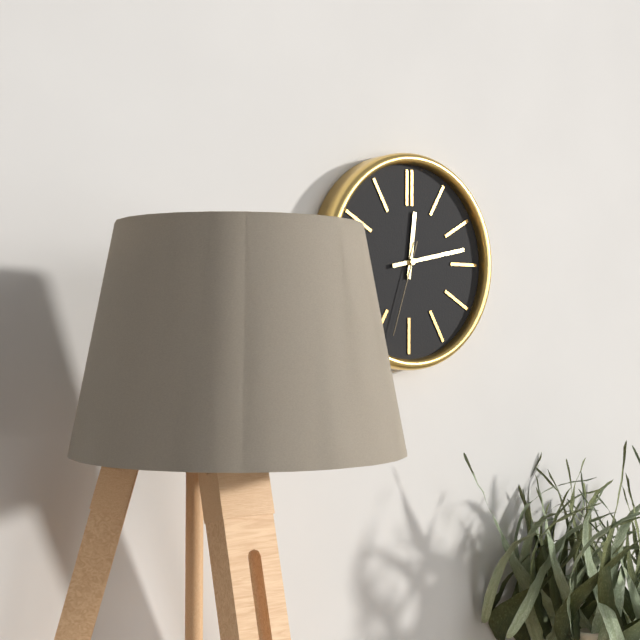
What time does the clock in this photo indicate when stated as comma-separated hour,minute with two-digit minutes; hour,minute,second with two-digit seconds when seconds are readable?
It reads 12,13,33
